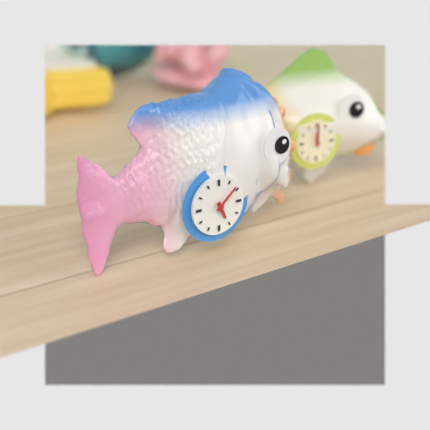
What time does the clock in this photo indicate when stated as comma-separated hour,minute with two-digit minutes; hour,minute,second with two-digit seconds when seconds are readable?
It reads 5,08
